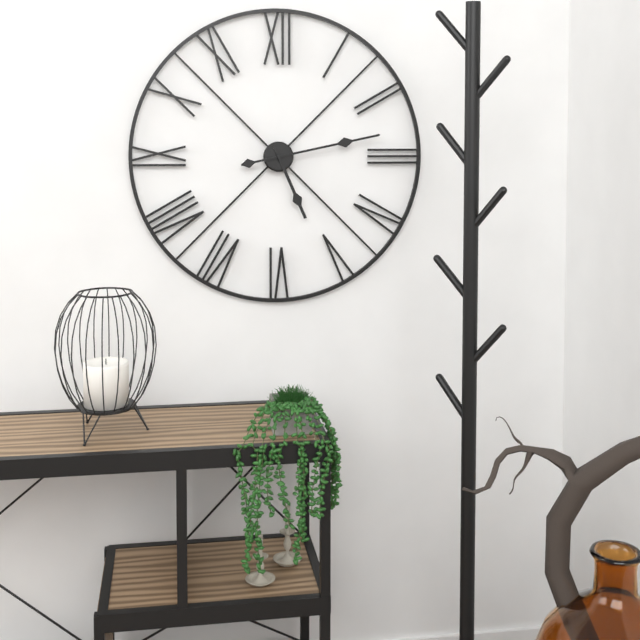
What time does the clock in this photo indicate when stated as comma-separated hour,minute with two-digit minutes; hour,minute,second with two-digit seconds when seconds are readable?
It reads 5,13
